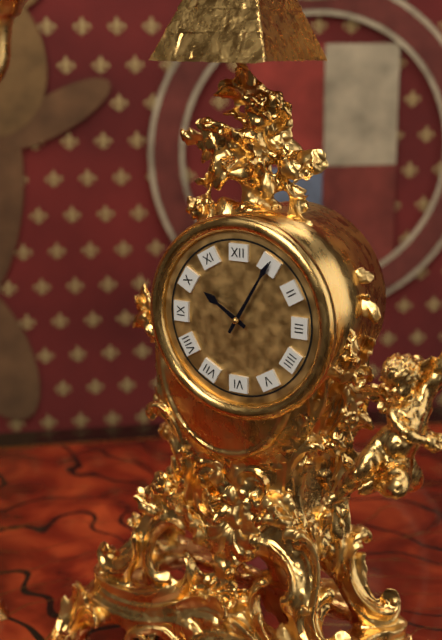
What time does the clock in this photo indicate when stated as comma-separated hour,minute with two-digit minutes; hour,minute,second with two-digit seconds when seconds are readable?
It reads 10,05
